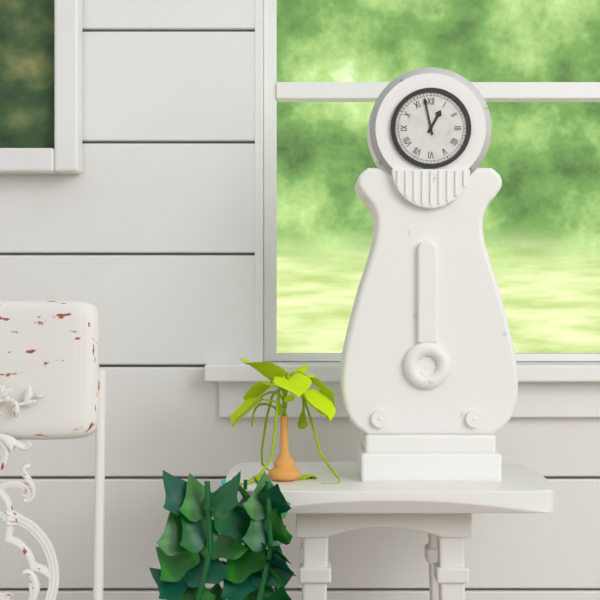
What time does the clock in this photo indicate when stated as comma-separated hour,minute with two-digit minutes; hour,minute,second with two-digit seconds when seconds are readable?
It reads 12,58
